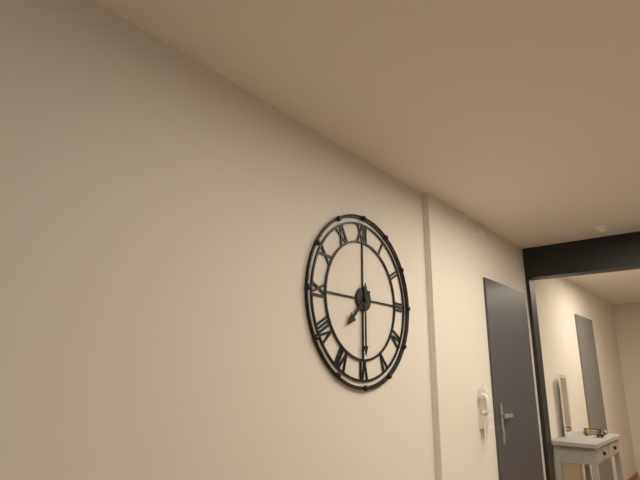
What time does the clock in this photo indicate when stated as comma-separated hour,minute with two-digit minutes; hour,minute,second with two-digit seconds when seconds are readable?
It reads 7,30
